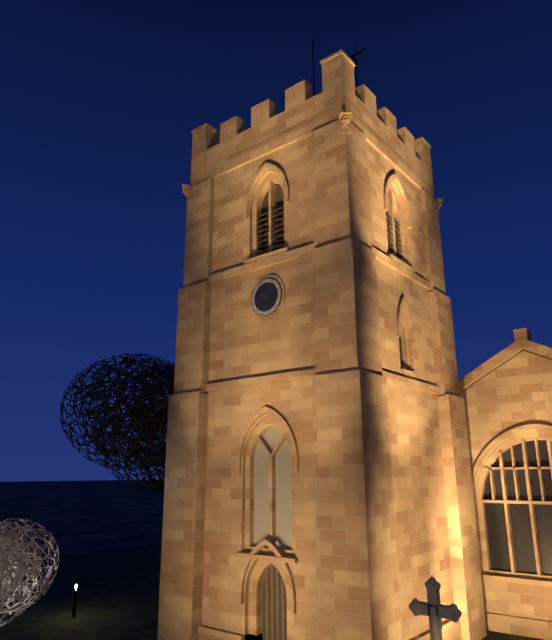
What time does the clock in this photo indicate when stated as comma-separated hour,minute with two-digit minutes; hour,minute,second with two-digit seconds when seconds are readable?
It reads 10,05
